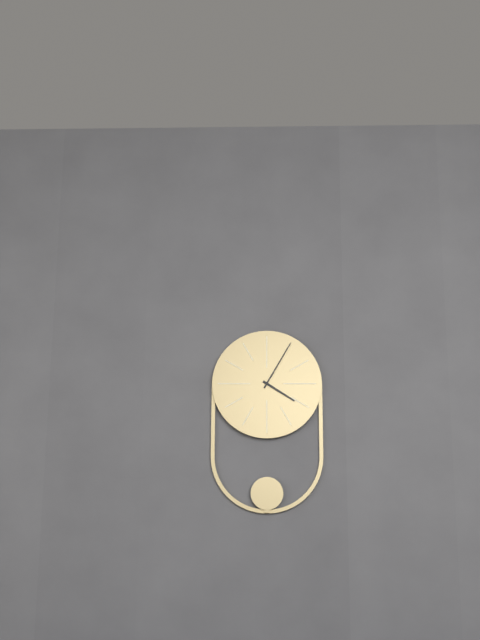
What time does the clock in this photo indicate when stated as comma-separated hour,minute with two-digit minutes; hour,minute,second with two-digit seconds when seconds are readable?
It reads 4,05
